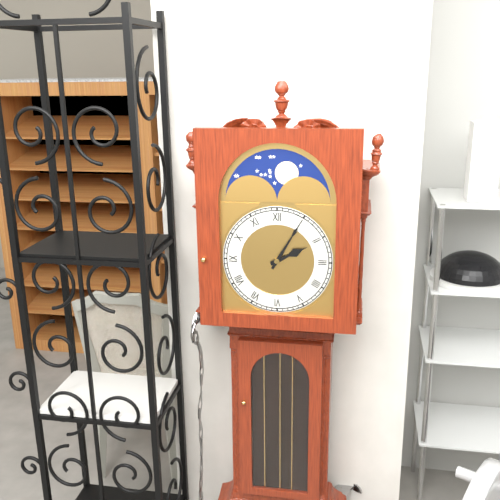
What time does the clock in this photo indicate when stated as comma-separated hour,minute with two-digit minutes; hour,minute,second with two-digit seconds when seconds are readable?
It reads 2,05
